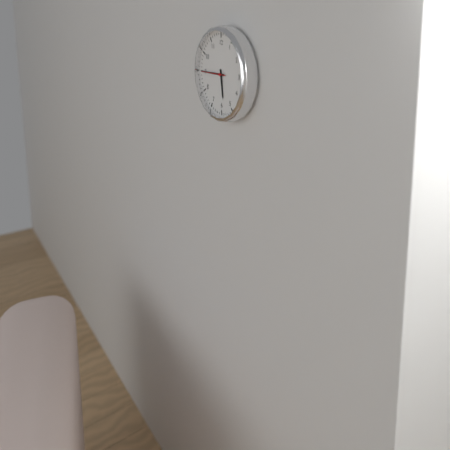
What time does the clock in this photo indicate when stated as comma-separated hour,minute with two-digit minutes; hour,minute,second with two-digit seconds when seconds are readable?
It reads 5,45
